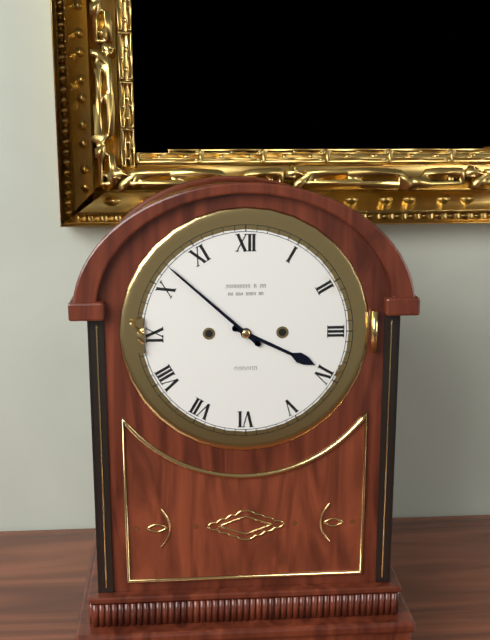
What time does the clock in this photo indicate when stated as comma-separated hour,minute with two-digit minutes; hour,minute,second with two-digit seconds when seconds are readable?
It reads 3,52
